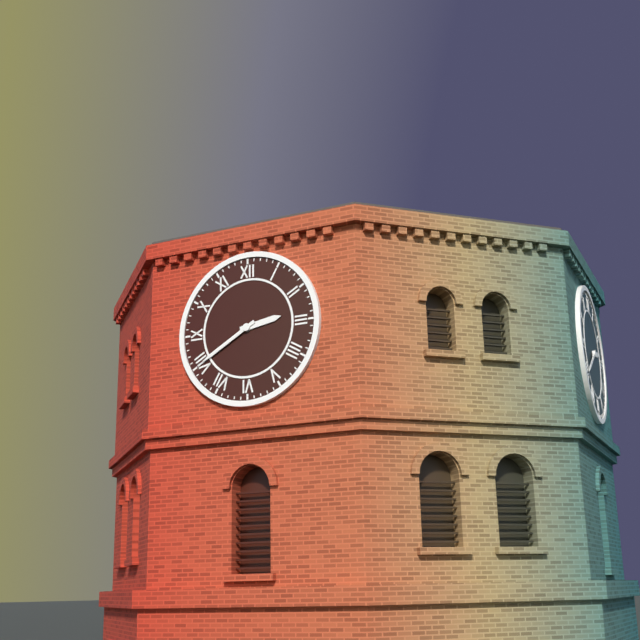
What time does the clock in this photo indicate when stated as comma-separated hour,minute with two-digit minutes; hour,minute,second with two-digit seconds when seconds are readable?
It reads 2,40
